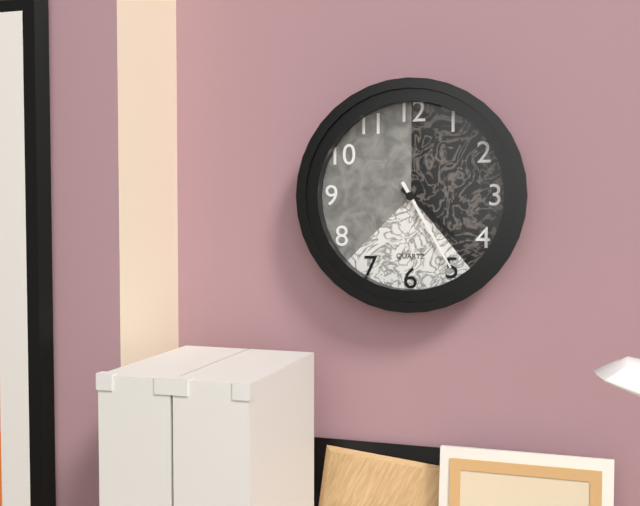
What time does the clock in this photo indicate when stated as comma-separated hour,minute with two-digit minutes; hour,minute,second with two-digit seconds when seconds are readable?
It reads 4,25
